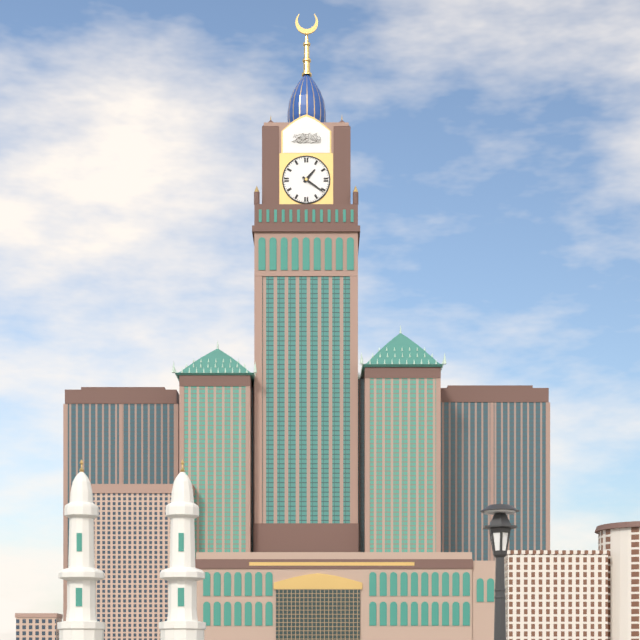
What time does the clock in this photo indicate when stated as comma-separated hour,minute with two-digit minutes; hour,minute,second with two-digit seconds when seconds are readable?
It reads 1,21
